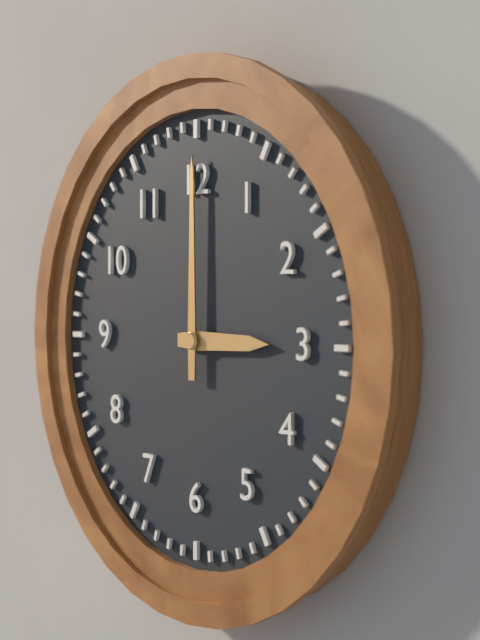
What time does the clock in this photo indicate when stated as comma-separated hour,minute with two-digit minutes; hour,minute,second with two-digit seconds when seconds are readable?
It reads 3,00
